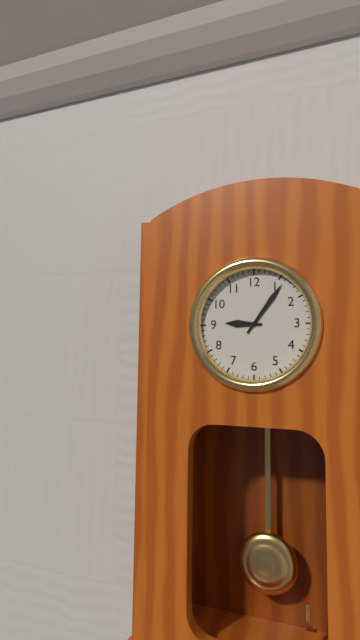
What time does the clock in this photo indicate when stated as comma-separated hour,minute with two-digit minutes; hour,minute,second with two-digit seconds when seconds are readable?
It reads 9,06
